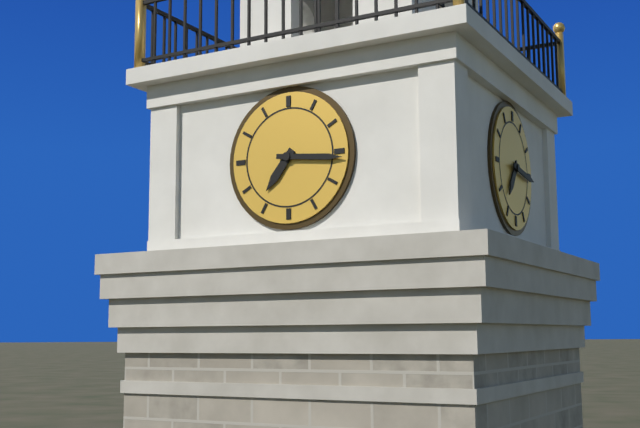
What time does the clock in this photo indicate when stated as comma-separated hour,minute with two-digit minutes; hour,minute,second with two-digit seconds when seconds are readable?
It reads 7,16
